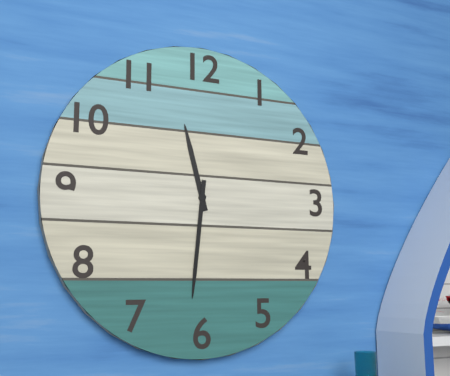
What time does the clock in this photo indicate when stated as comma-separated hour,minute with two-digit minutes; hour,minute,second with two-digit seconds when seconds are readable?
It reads 11,31
